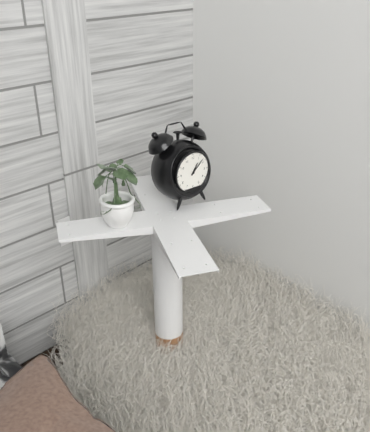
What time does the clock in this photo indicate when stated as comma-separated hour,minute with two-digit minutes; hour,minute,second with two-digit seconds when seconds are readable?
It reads 1,08
